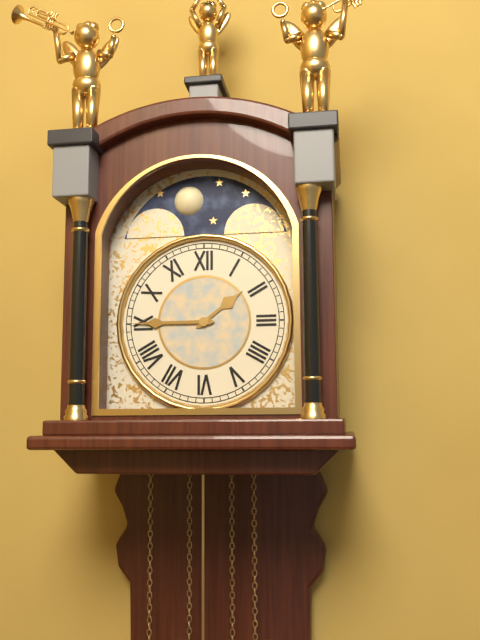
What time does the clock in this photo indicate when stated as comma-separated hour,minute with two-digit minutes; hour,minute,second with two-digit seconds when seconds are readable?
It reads 1,45
